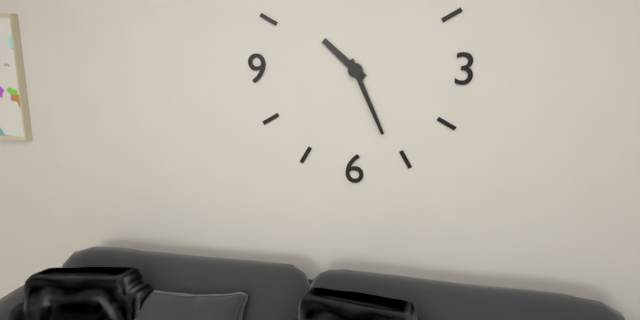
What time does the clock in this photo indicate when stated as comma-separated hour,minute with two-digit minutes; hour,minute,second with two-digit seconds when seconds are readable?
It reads 10,26
